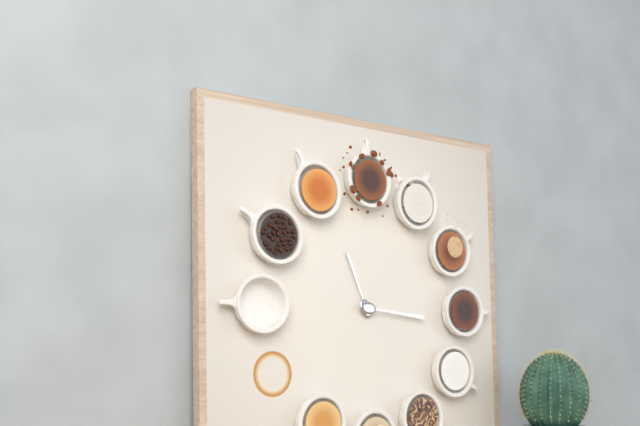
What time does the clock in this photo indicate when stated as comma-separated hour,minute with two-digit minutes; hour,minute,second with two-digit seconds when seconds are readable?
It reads 11,16
